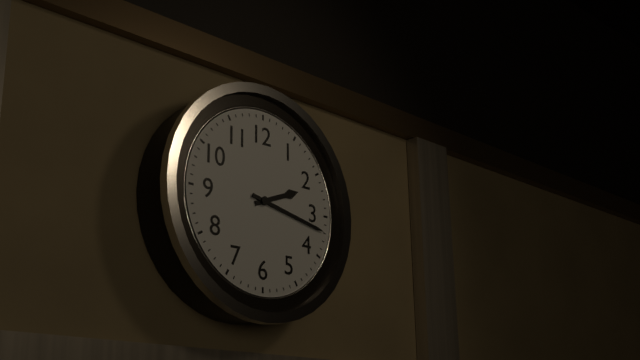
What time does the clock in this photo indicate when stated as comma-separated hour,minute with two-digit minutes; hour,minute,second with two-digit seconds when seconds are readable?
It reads 2,17
